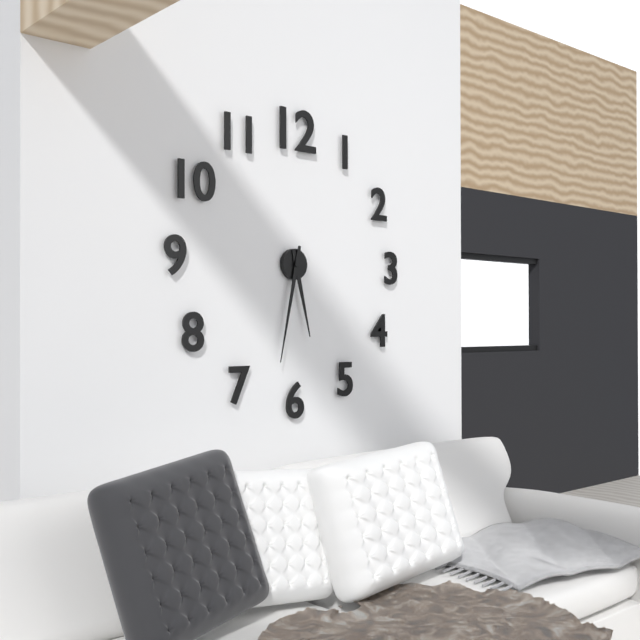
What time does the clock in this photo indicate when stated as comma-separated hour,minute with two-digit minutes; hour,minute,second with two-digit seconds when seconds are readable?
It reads 5,32
